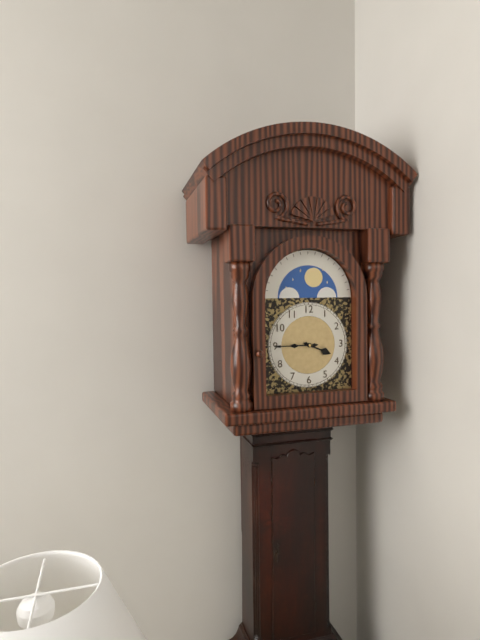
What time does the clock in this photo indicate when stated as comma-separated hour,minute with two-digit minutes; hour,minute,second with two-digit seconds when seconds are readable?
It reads 3,45
